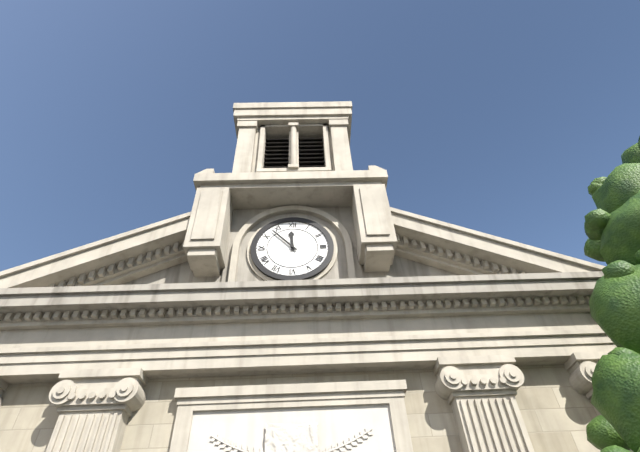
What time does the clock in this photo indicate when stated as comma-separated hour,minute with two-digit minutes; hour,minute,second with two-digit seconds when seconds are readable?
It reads 11,53
